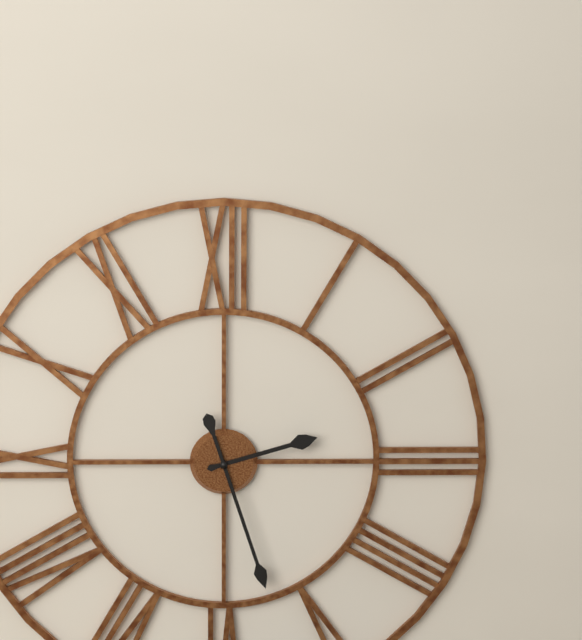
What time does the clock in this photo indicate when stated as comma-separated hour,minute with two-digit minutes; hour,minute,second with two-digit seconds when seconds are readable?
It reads 2,27
